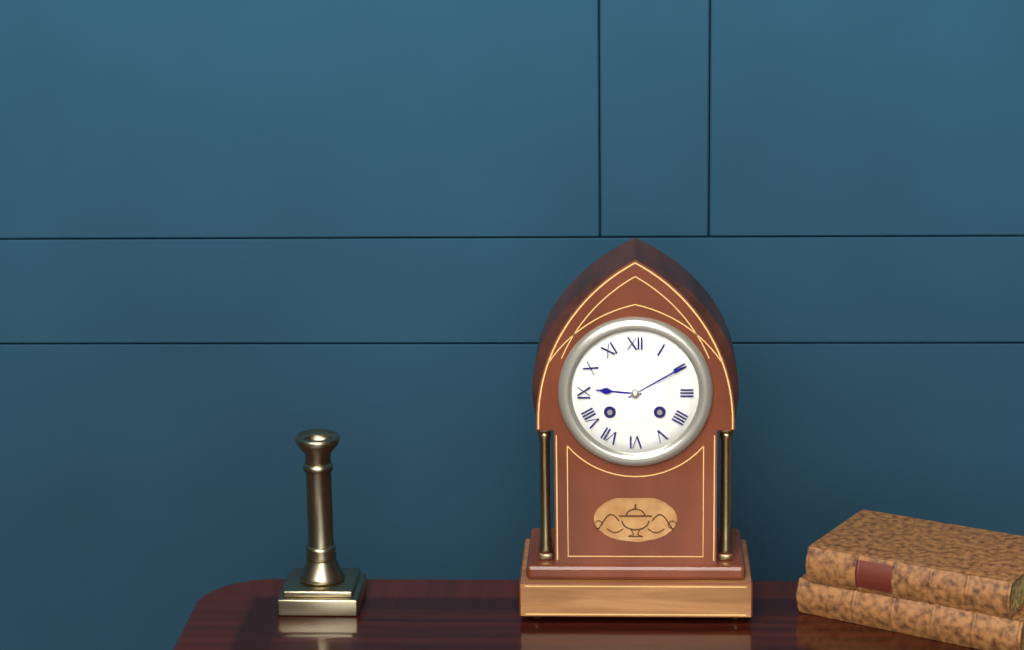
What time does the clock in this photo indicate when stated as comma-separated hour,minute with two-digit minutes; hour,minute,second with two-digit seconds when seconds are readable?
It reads 9,10
